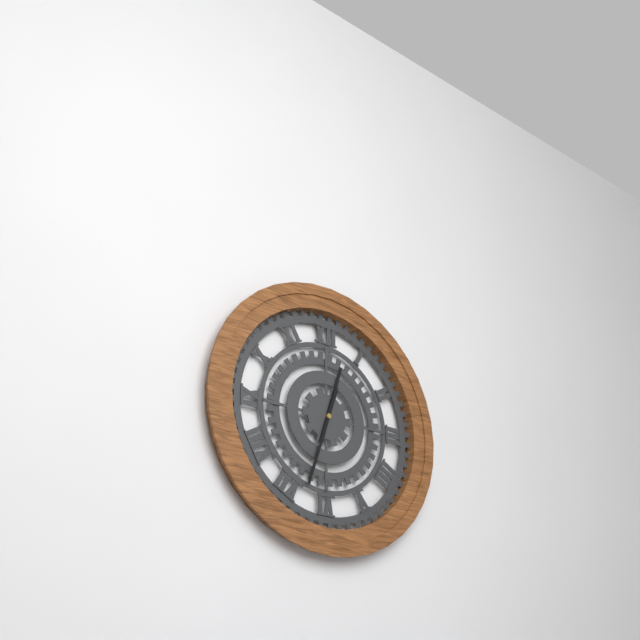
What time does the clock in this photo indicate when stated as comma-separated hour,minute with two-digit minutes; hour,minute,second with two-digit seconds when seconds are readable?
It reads 12,33
